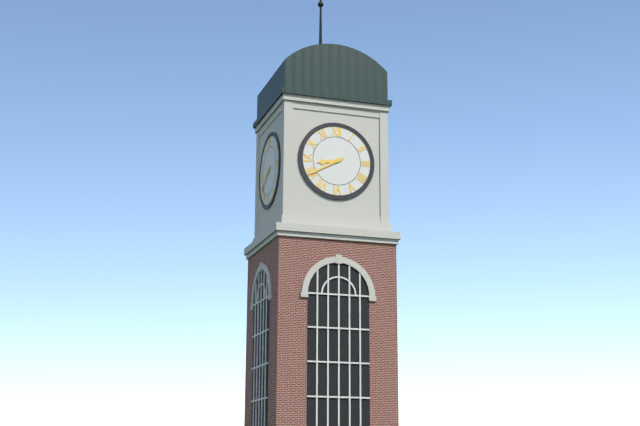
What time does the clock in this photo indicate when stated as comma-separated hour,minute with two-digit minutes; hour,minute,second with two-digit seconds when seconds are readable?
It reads 8,40
